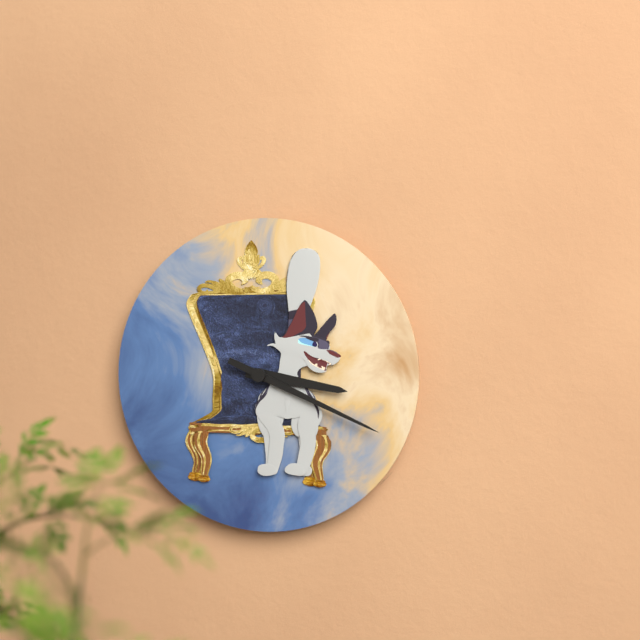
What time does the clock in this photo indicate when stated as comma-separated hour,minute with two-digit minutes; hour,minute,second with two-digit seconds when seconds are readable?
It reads 3,19
